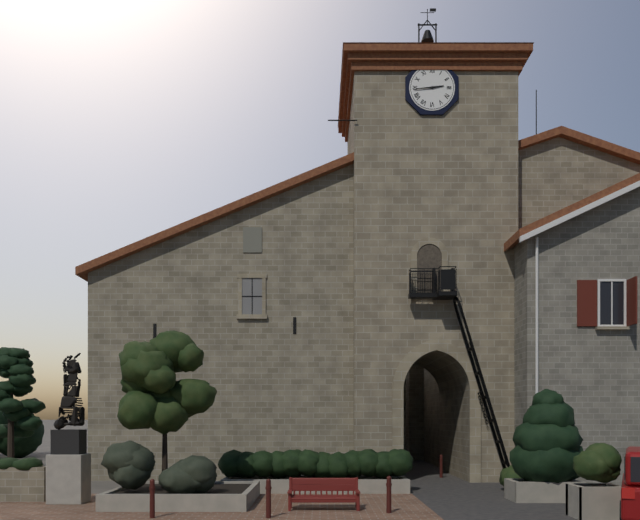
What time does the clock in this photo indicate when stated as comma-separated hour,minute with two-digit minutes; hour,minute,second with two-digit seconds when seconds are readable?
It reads 2,44
